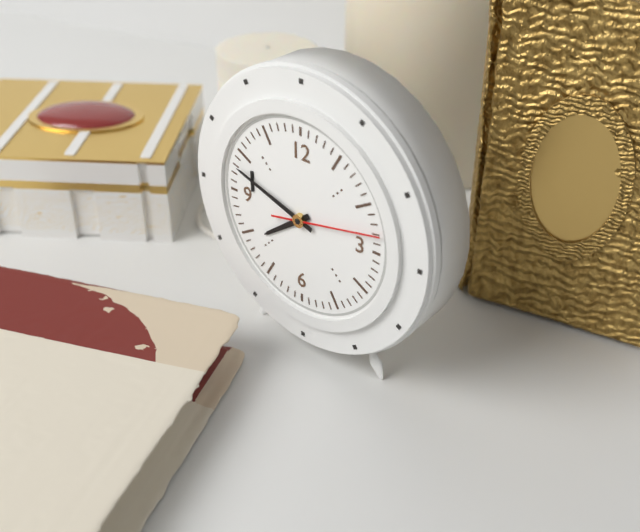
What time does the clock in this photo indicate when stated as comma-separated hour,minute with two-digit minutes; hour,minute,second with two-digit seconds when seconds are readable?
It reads 7,48,13
